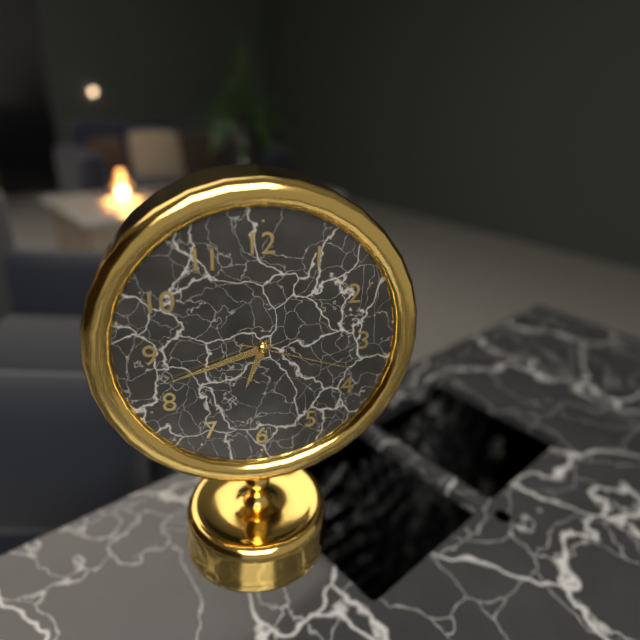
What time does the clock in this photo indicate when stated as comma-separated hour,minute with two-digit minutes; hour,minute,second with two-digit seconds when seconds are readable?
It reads 6,42,18
